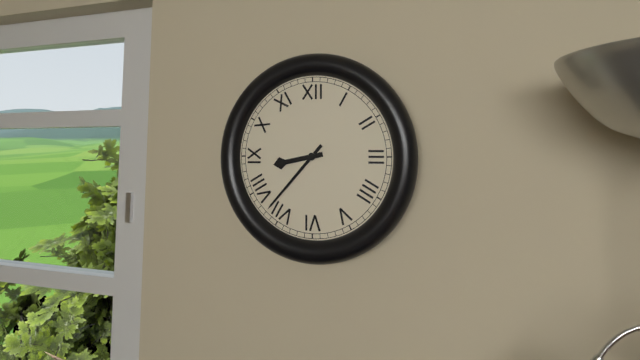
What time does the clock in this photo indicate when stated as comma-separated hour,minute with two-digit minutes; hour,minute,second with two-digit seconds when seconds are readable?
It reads 8,37
